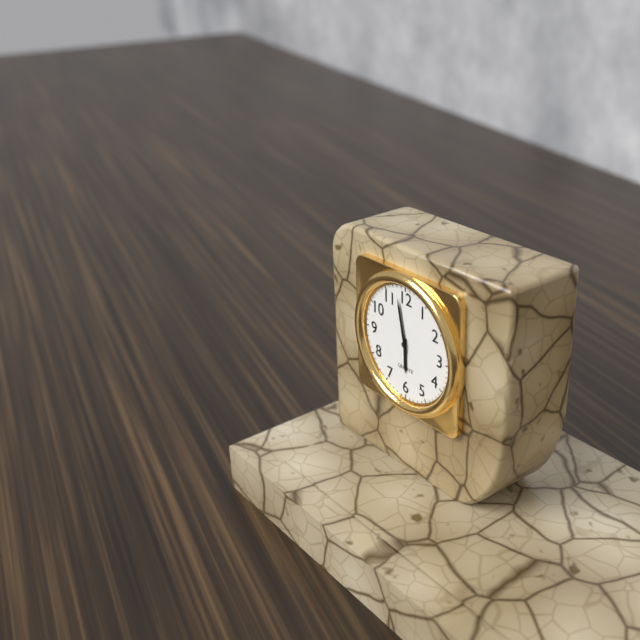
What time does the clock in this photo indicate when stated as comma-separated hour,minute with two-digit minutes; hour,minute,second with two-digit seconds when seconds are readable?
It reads 5,58
